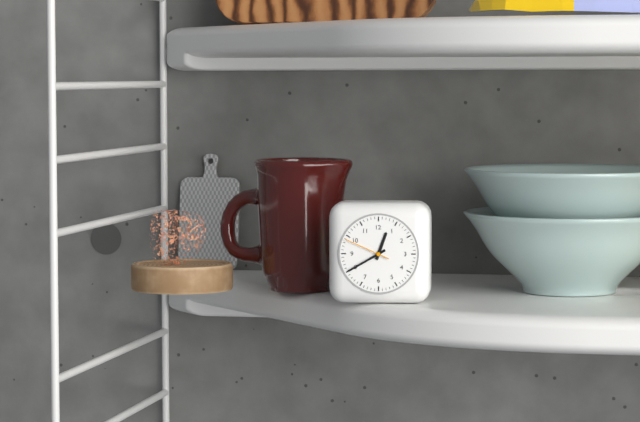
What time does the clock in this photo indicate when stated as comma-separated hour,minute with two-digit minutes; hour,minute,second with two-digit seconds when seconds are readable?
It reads 12,40
